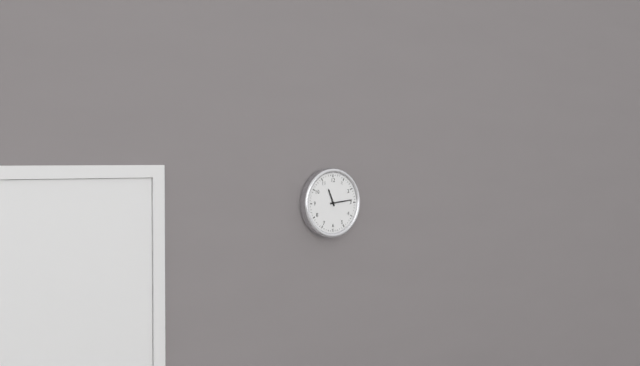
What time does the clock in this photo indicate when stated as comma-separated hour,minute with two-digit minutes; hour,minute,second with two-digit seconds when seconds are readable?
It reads 11,14
